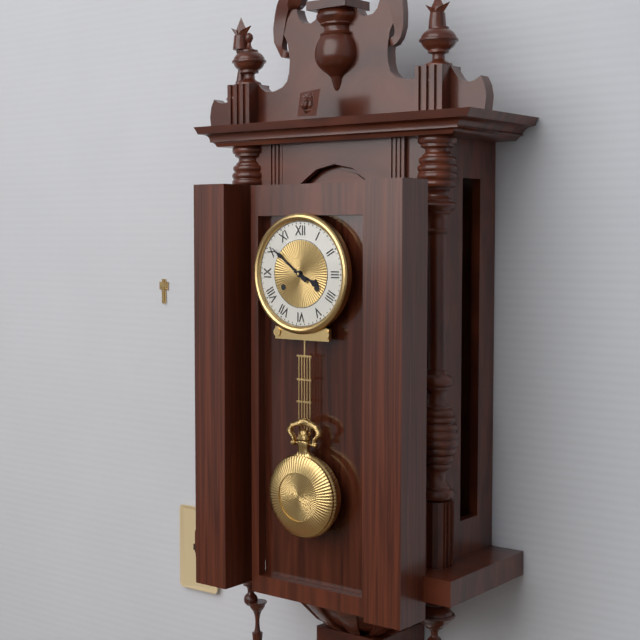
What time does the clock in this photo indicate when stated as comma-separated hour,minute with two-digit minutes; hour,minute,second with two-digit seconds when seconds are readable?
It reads 3,51
